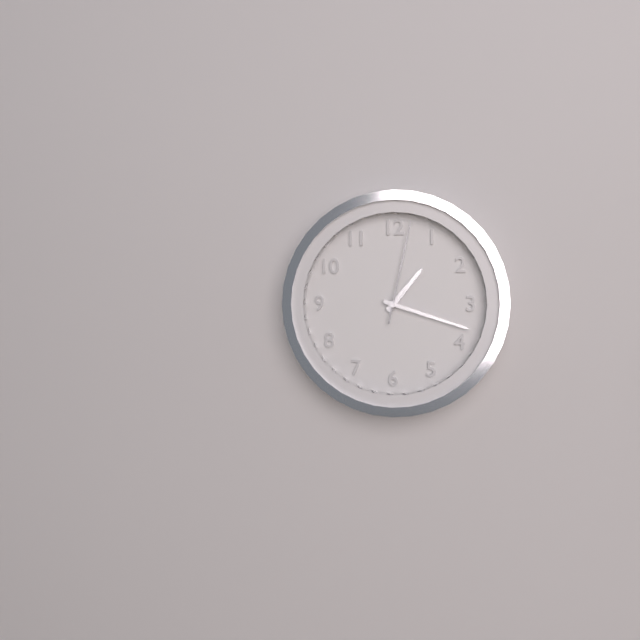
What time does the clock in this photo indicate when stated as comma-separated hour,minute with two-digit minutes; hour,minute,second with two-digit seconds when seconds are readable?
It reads 1,18,02
